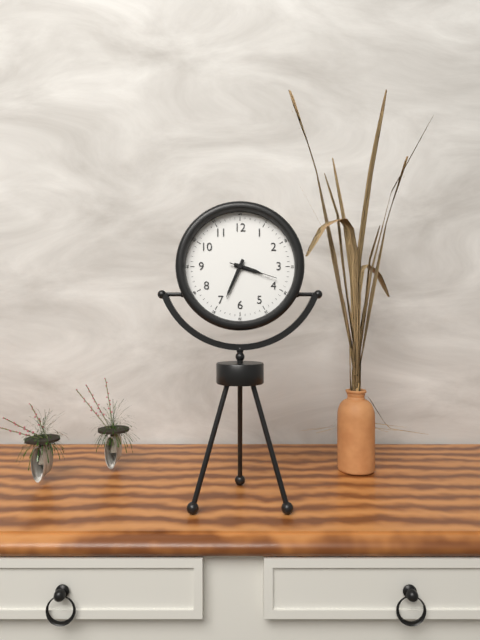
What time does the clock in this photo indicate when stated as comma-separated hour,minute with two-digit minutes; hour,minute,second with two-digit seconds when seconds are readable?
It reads 3,34
